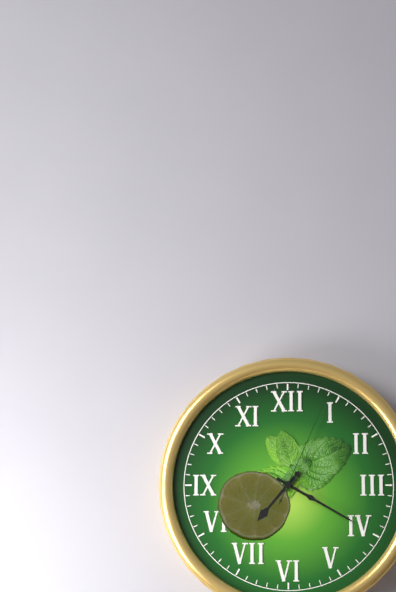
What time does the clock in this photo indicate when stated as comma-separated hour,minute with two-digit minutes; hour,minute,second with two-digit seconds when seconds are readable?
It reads 7,20,04
